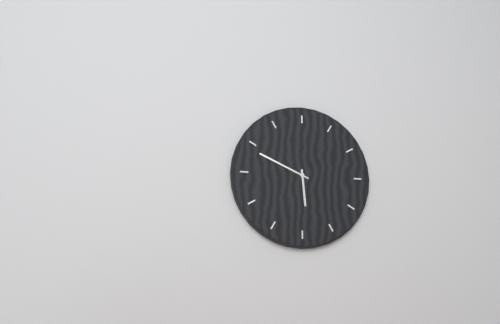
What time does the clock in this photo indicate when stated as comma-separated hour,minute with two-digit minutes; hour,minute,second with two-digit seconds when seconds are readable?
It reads 5,49
